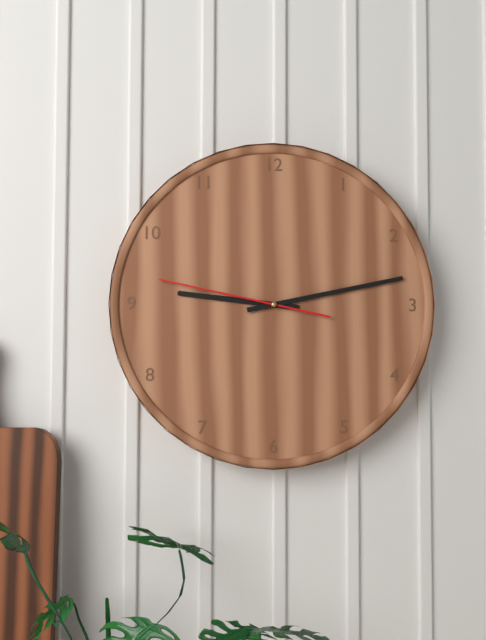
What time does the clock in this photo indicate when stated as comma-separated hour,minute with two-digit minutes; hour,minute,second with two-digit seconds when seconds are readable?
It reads 9,13,47
